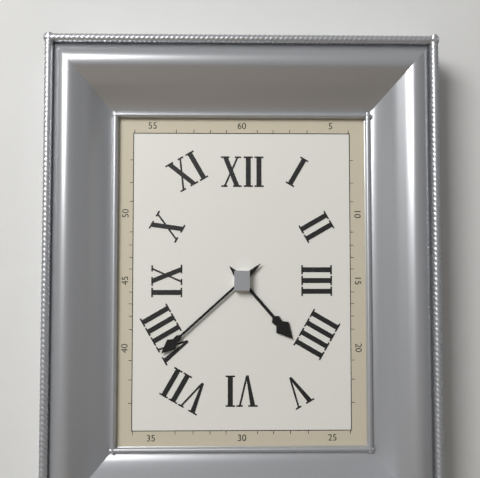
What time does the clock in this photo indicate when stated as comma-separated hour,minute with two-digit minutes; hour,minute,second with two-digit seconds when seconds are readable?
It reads 4,38
